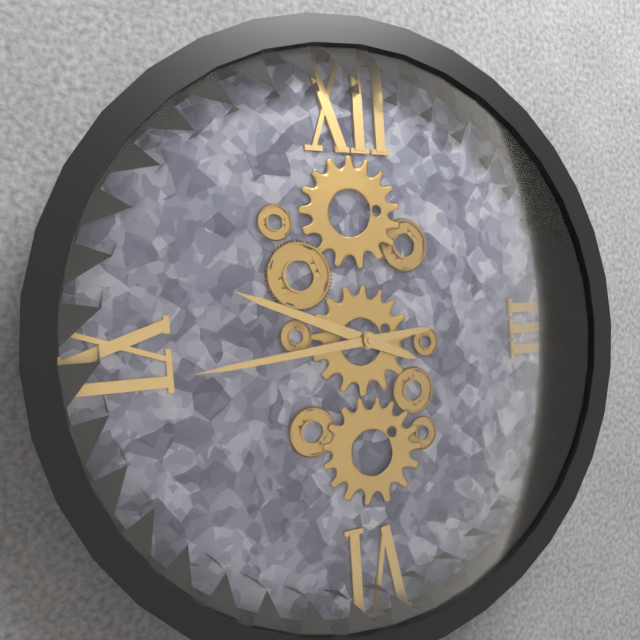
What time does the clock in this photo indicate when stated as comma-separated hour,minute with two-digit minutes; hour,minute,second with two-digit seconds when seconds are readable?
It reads 9,44
